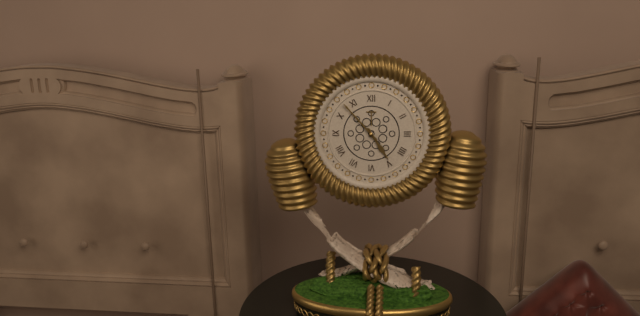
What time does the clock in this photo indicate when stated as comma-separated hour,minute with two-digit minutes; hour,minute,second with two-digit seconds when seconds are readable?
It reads 4,53
